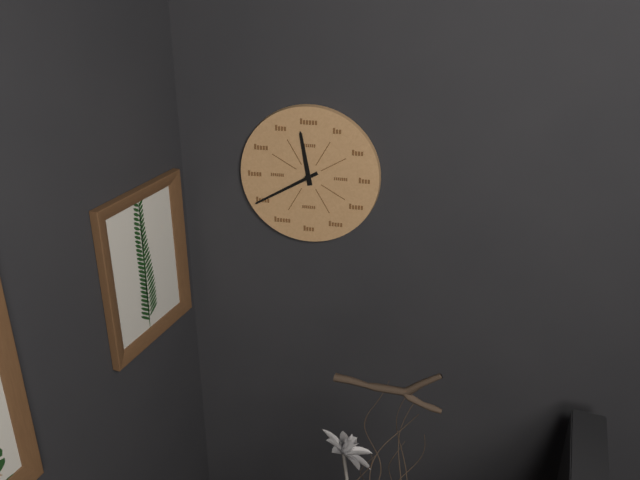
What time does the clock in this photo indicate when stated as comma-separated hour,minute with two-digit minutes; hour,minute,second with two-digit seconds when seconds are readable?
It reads 11,40
